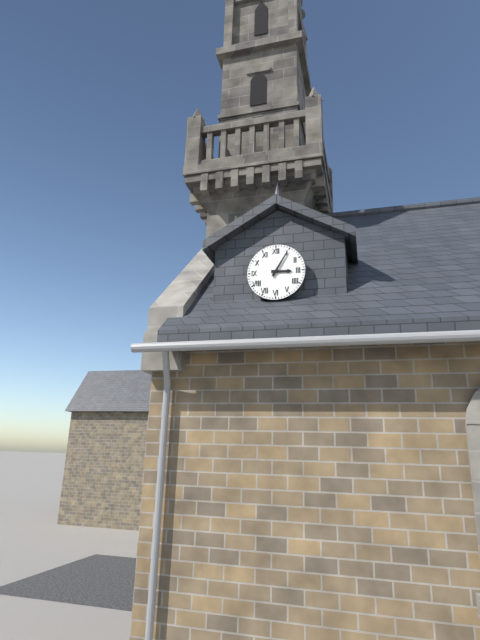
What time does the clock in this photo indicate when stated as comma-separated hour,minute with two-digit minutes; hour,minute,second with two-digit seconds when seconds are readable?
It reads 3,05
